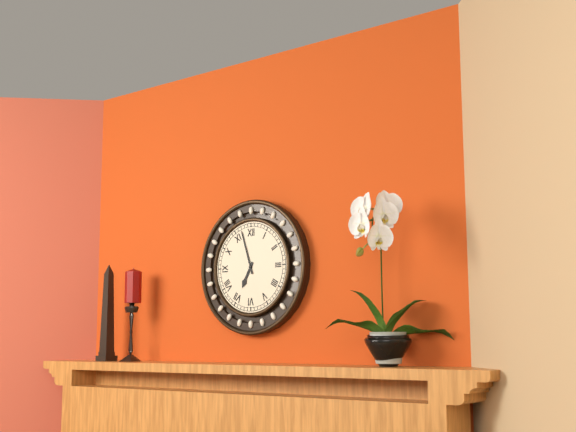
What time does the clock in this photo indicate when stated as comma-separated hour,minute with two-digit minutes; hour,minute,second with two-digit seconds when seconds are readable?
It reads 6,57
